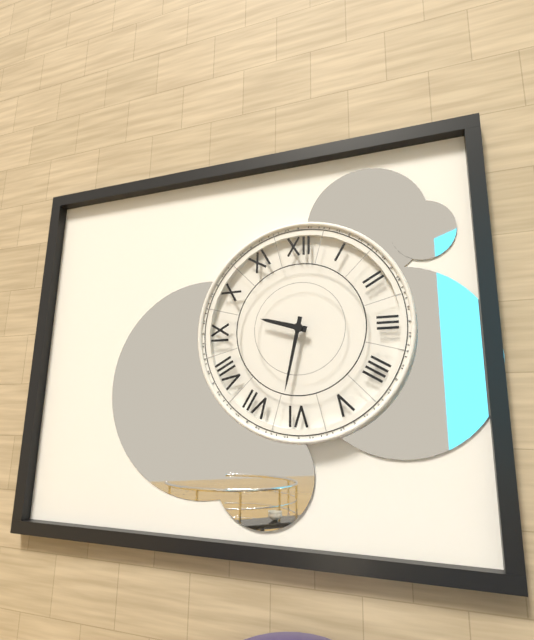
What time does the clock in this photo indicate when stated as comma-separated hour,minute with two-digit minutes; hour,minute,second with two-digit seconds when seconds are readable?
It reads 9,32
